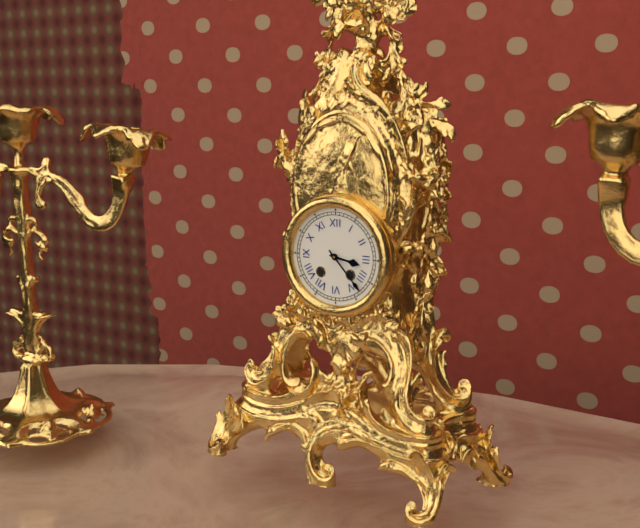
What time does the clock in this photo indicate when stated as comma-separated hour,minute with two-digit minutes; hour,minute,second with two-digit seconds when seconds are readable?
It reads 3,23
